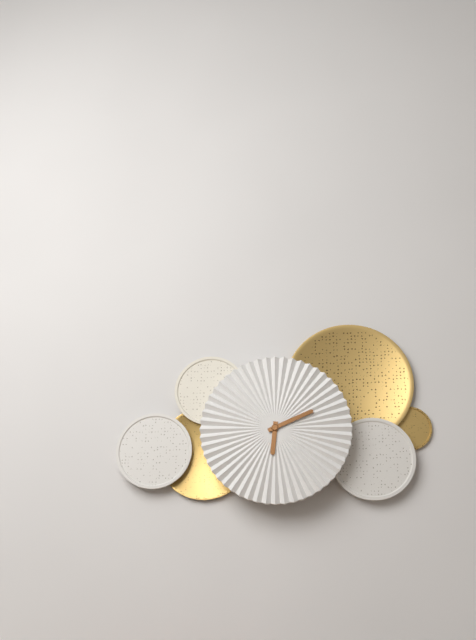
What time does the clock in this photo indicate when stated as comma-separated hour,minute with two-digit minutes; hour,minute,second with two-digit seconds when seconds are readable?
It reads 6,11
